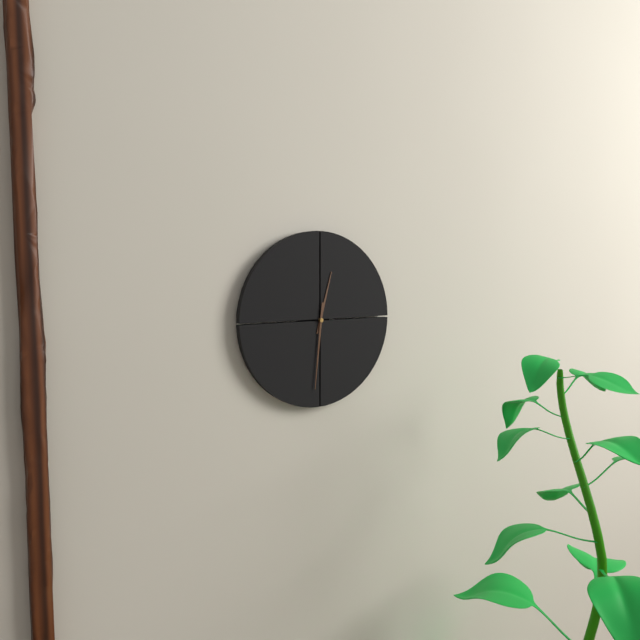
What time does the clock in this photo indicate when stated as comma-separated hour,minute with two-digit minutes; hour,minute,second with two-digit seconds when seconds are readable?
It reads 12,31
